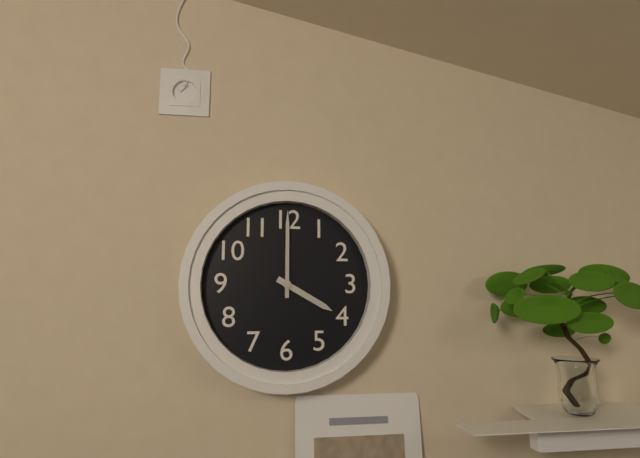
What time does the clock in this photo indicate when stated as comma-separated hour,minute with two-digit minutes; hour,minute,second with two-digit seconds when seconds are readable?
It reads 4,00
